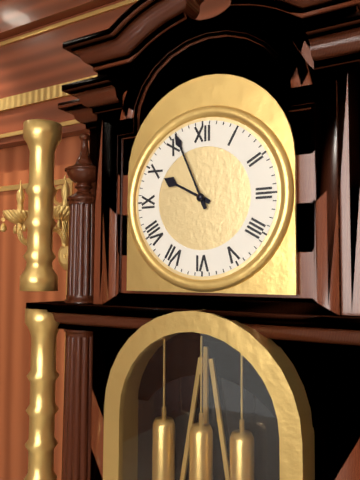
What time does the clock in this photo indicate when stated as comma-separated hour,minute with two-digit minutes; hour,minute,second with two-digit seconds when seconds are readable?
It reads 9,56
